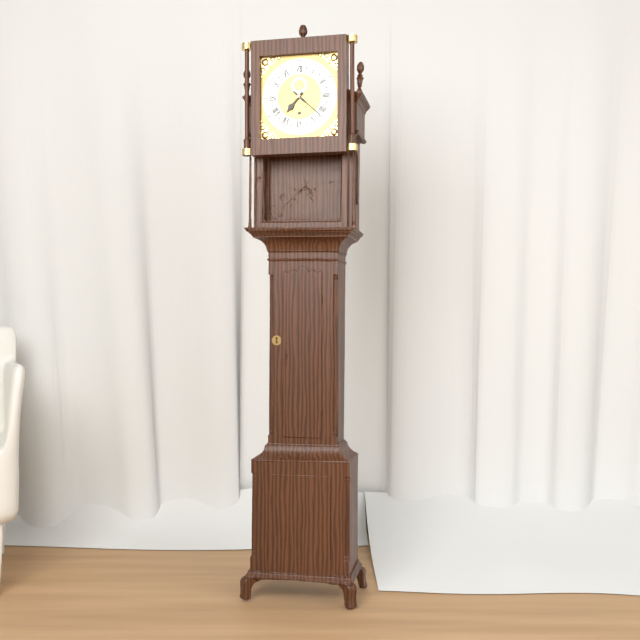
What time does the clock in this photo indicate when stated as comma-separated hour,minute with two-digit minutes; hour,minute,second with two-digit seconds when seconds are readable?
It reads 7,22
